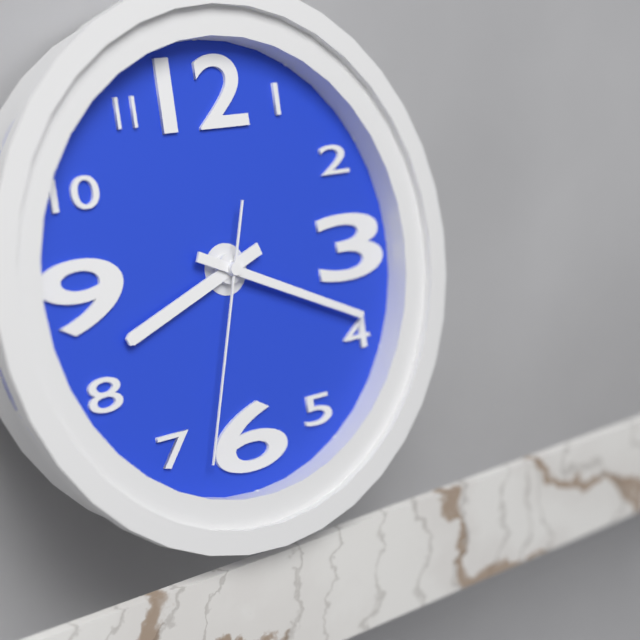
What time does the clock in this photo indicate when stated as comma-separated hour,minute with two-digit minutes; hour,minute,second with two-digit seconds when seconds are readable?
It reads 8,19,33
